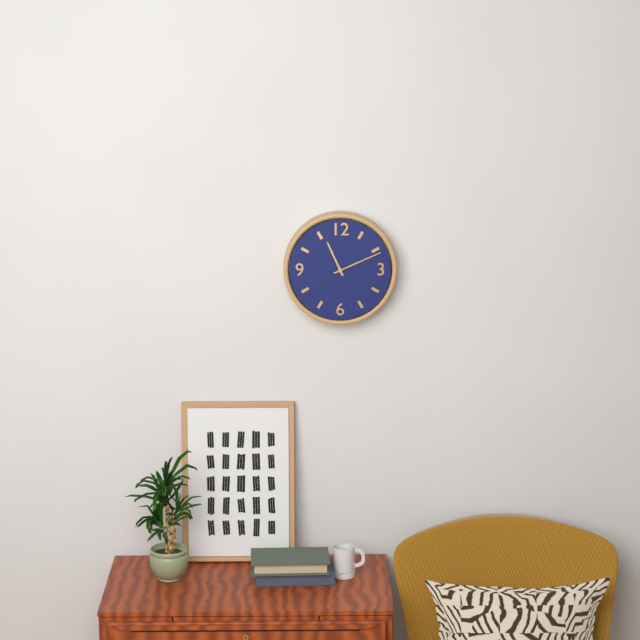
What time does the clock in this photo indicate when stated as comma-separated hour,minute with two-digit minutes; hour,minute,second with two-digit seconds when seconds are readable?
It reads 11,11
